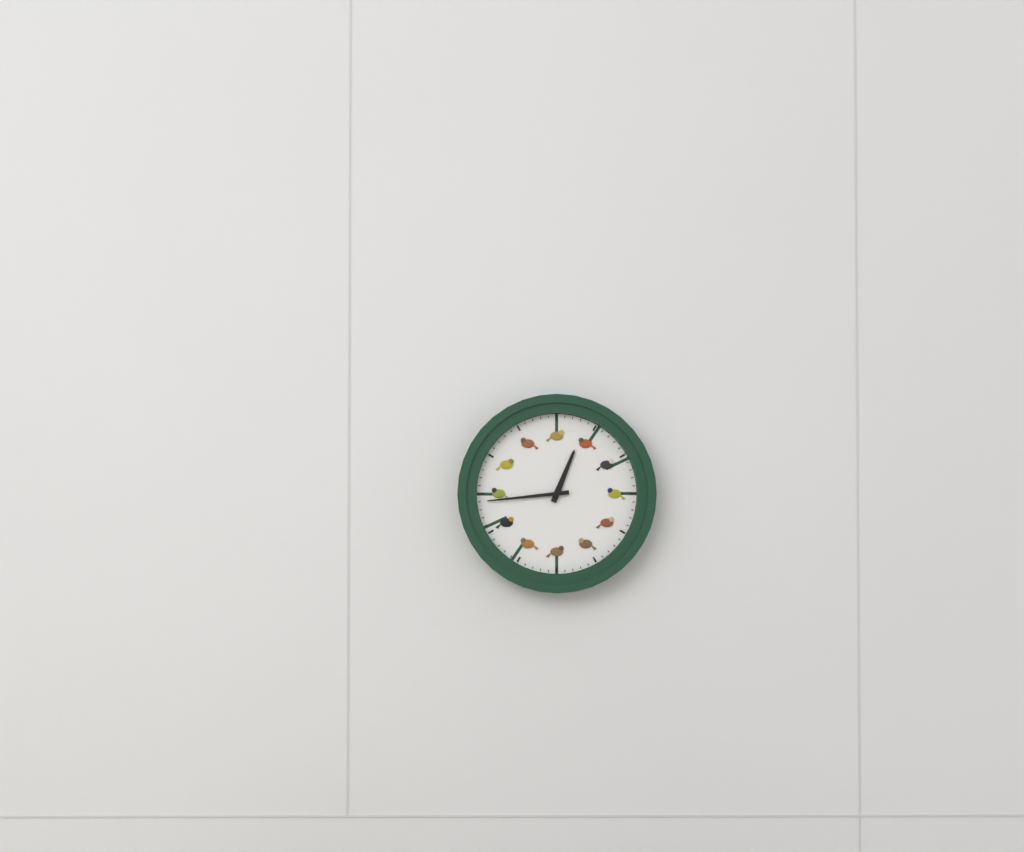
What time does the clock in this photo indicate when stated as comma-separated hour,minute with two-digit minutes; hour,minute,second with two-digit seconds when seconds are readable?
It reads 12,44
